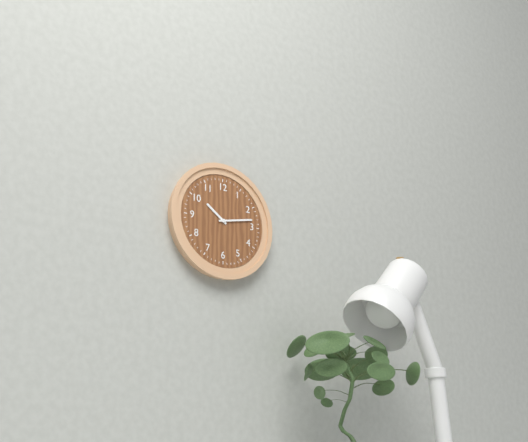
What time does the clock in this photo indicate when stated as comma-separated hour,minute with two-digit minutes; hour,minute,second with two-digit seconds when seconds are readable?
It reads 10,13
